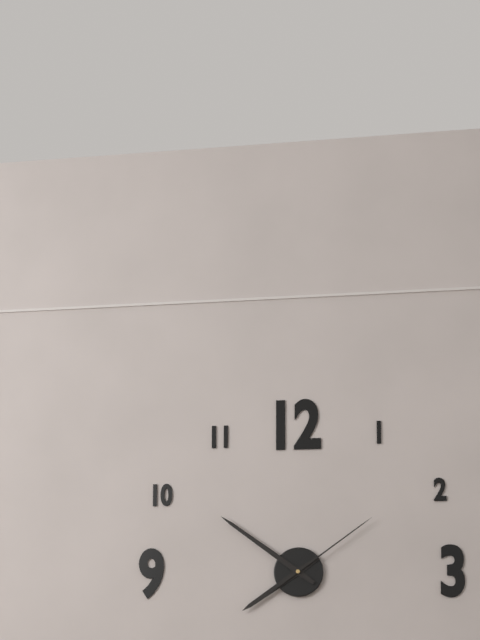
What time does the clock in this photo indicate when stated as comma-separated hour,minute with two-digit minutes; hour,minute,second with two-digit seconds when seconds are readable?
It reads 7,51,09
